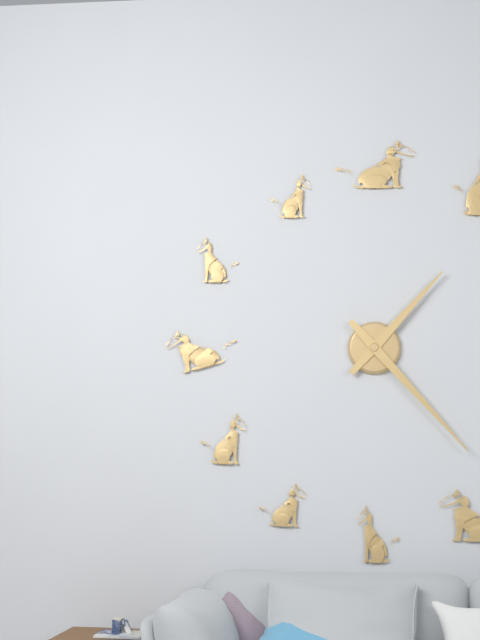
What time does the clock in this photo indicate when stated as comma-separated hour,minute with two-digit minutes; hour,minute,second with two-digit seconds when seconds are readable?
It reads 1,23
